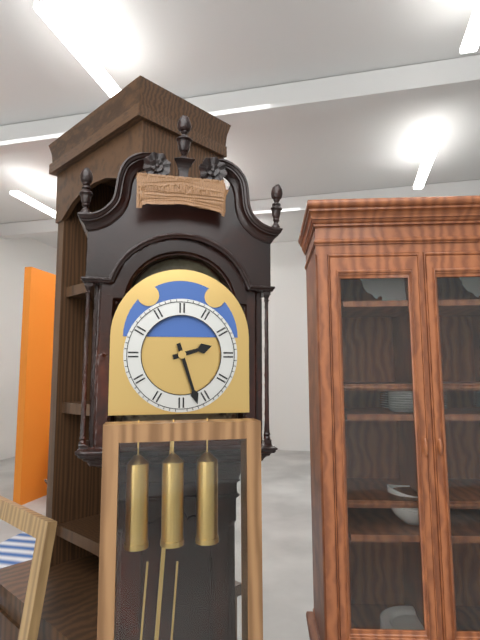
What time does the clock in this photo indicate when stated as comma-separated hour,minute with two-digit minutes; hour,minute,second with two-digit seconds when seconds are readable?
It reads 2,27
